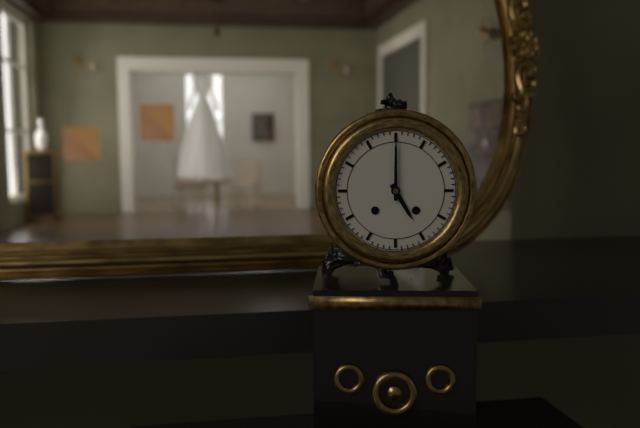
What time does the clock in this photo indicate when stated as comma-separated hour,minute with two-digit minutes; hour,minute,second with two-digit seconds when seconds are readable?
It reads 5,00
